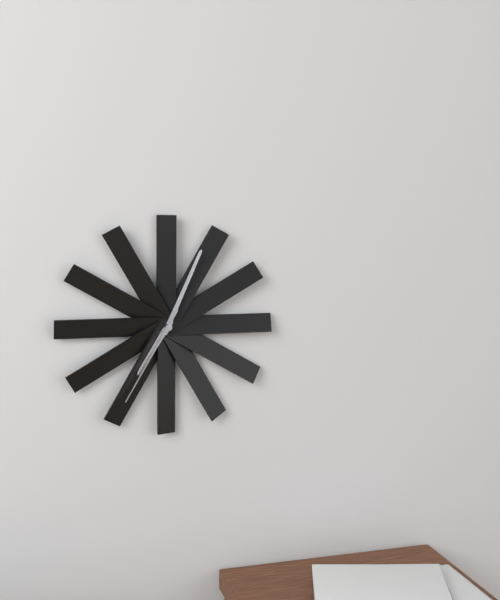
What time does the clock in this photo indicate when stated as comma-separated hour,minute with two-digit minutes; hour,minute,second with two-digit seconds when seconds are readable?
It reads 7,04,35
